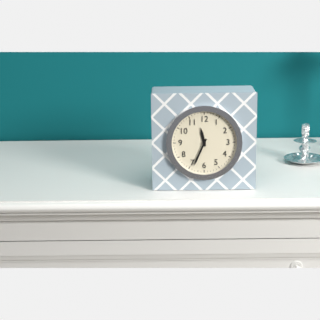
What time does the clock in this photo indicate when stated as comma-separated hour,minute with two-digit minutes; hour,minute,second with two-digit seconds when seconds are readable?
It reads 11,34
